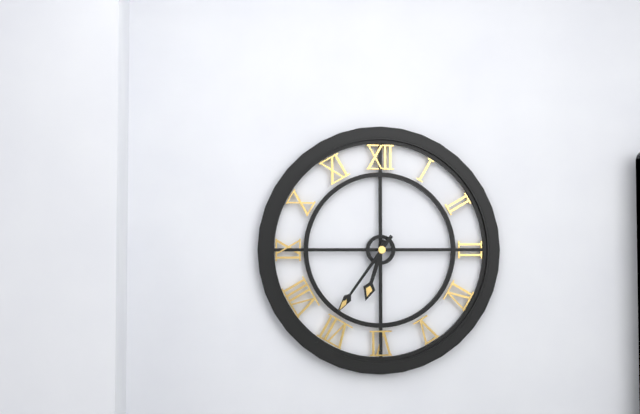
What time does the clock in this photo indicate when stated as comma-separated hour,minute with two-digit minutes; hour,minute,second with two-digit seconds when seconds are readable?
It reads 6,36
